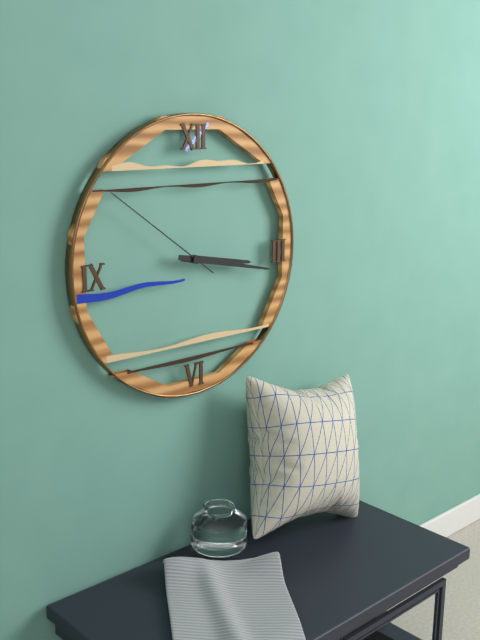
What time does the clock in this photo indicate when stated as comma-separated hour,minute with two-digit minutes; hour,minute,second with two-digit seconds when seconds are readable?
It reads 3,17,51
